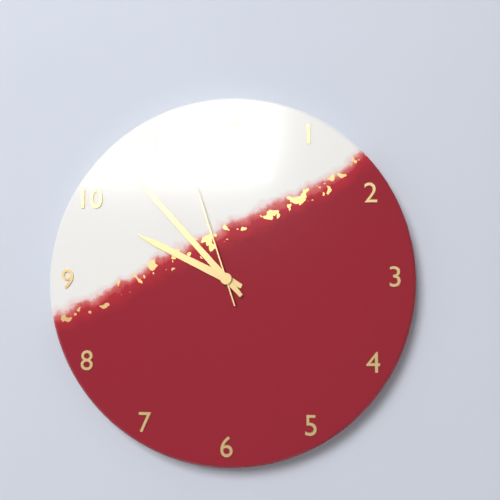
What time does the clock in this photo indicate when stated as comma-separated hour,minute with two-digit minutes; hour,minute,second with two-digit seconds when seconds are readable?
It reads 9,53,57
